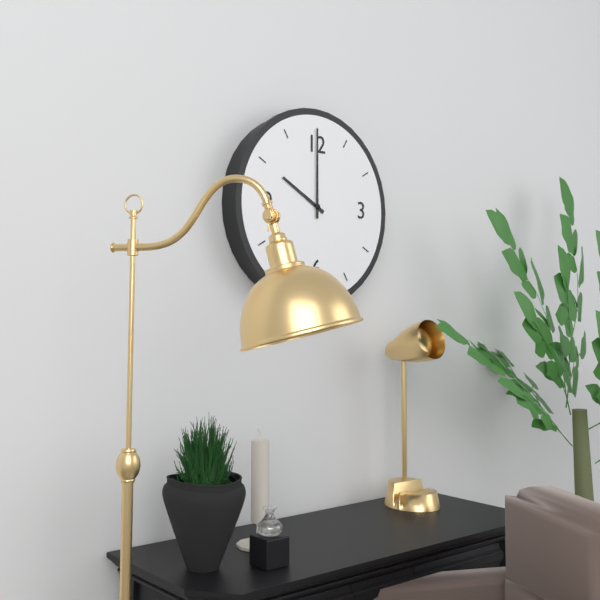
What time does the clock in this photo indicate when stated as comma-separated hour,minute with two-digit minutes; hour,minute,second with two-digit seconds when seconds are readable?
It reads 10,00
